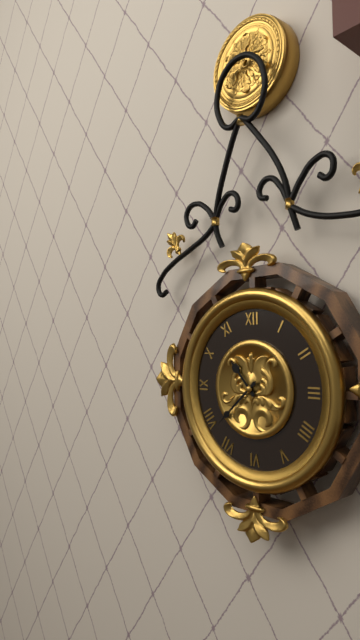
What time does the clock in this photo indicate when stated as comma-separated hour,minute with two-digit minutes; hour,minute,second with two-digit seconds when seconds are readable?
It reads 10,38
